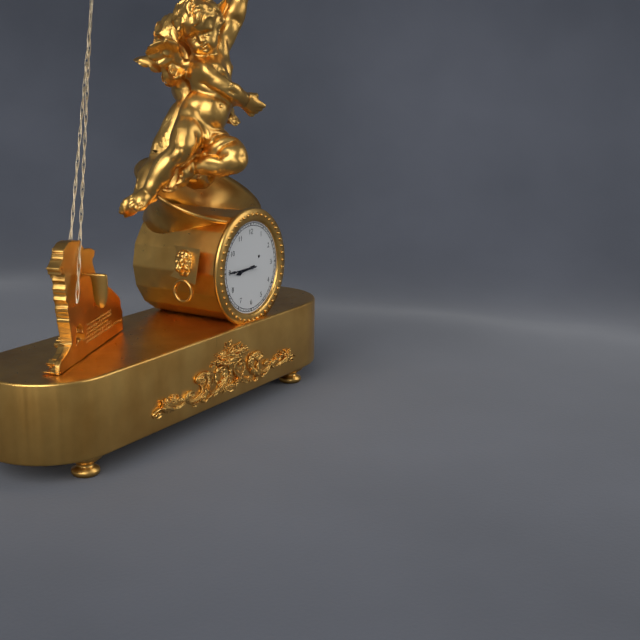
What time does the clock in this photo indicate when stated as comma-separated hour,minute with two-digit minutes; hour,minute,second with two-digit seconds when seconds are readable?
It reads 8,45
